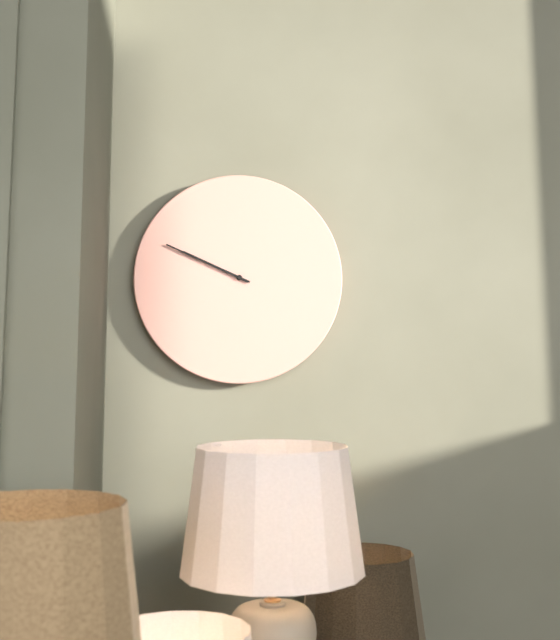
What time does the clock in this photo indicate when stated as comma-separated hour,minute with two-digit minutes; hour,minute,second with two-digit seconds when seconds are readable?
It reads 9,49
